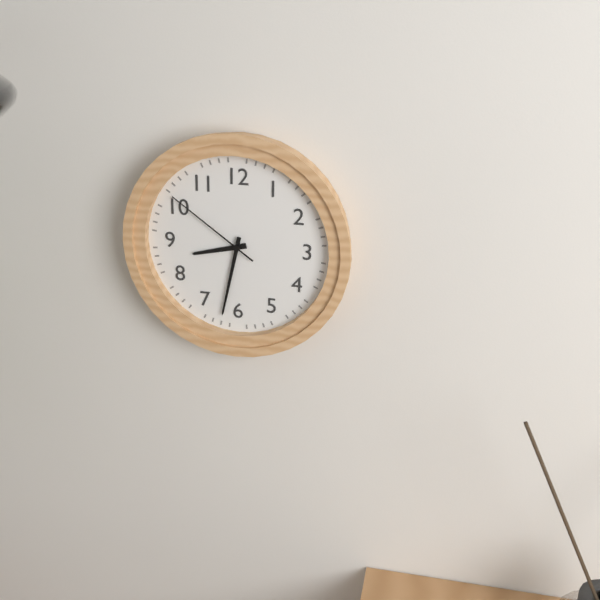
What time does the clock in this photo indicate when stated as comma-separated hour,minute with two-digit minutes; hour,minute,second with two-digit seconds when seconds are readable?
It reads 8,32,51
